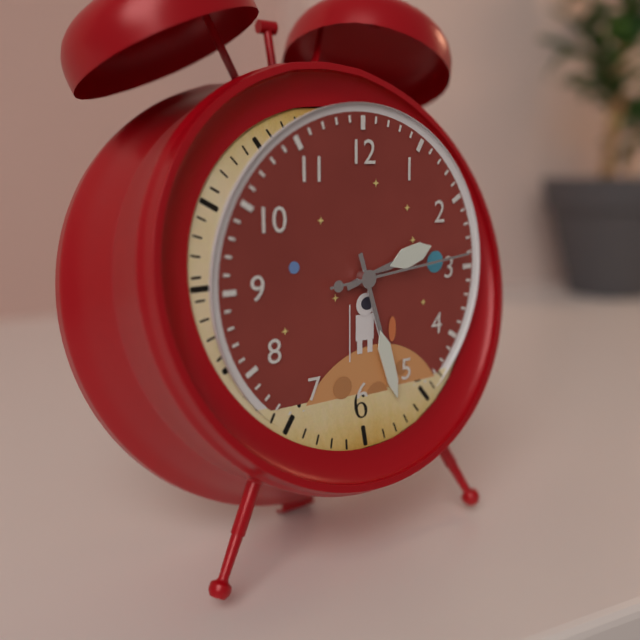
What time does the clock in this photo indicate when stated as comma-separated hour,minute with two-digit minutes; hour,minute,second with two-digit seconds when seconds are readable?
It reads 2,27,14
